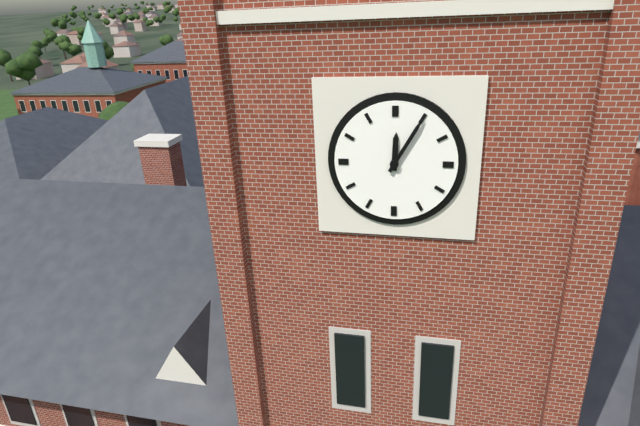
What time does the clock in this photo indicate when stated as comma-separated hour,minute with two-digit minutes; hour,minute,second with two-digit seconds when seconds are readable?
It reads 12,05
